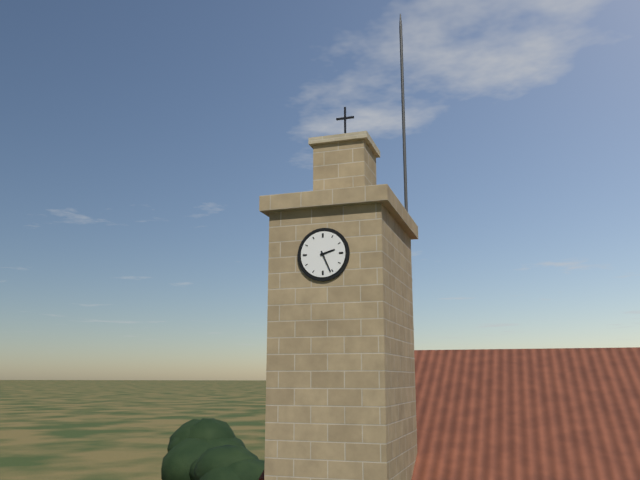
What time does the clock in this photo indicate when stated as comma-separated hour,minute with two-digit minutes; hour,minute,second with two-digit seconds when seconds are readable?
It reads 2,26
